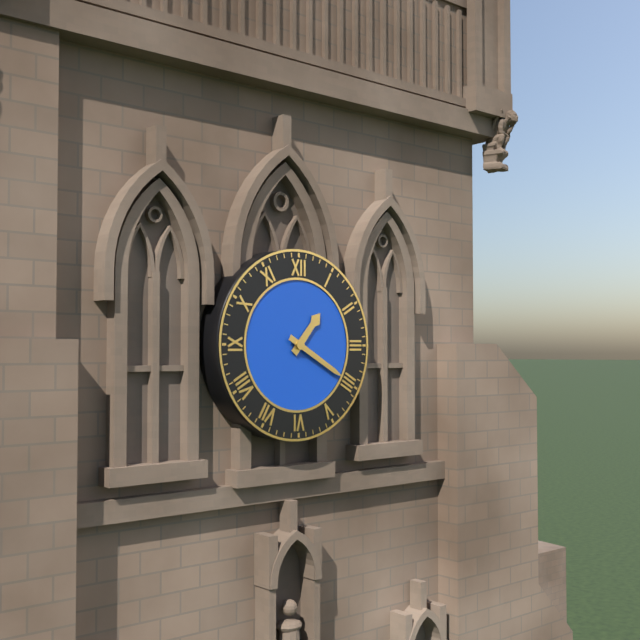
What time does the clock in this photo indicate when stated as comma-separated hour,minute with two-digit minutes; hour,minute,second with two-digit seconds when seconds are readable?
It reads 1,20
